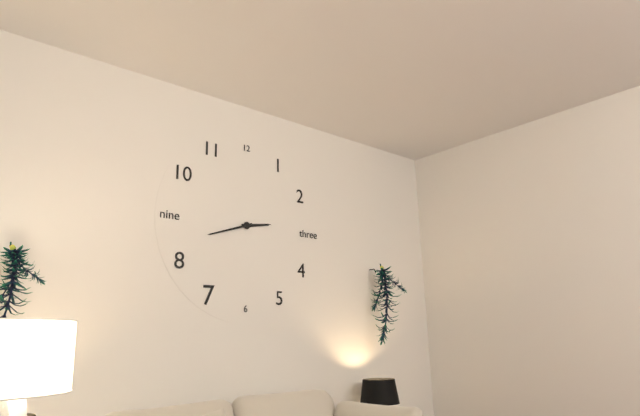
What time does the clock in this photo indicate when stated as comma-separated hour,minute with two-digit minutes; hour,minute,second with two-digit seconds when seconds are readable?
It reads 2,42
